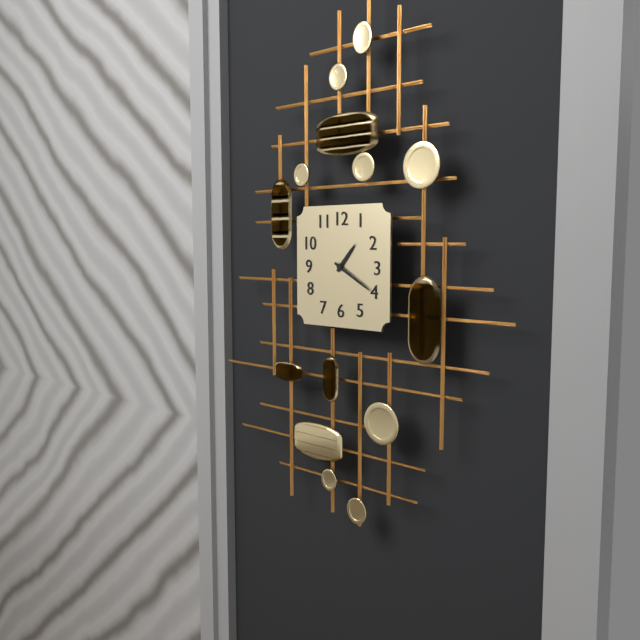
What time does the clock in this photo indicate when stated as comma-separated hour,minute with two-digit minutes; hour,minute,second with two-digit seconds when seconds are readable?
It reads 1,20
